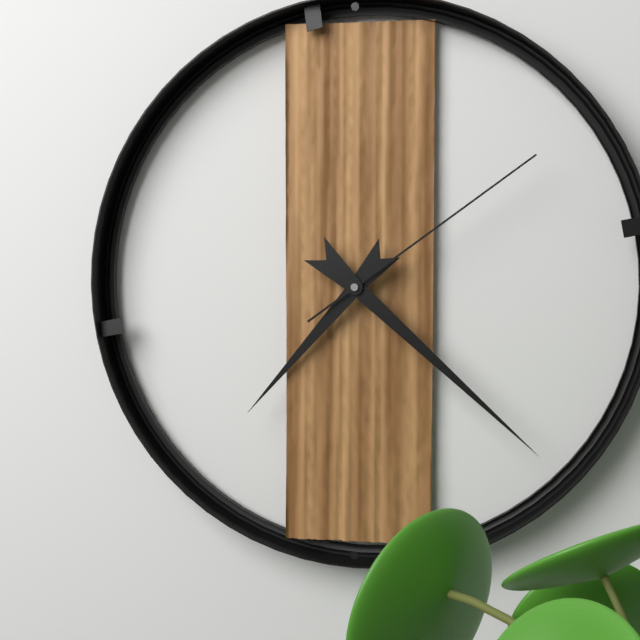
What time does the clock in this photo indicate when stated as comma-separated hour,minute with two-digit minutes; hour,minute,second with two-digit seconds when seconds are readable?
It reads 7,22,09
